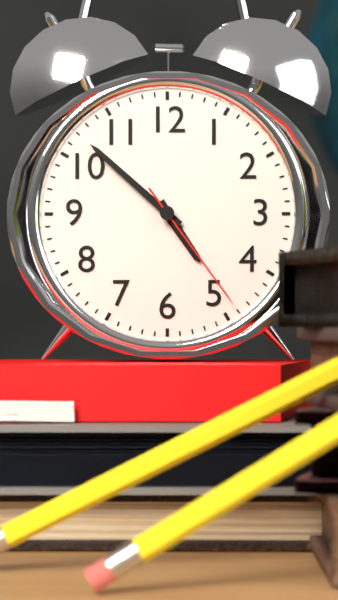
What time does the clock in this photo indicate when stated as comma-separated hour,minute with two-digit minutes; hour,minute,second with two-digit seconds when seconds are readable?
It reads 4,52,24
